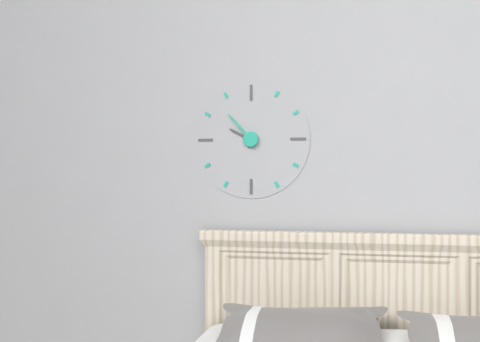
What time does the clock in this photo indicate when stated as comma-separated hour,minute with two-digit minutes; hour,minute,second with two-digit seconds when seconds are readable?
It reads 9,53
